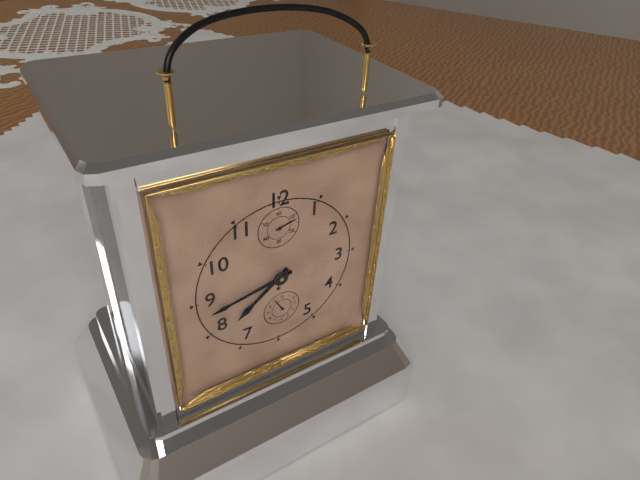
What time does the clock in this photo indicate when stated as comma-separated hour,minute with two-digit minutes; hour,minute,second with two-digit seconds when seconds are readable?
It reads 7,43
